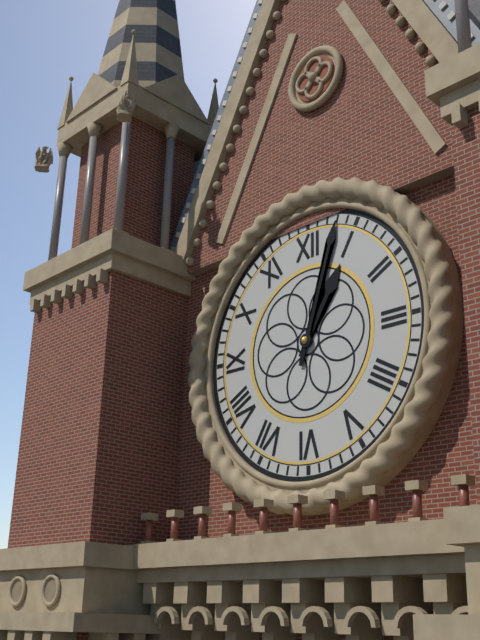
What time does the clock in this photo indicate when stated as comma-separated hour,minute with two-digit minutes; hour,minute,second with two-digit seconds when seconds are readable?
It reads 1,03
